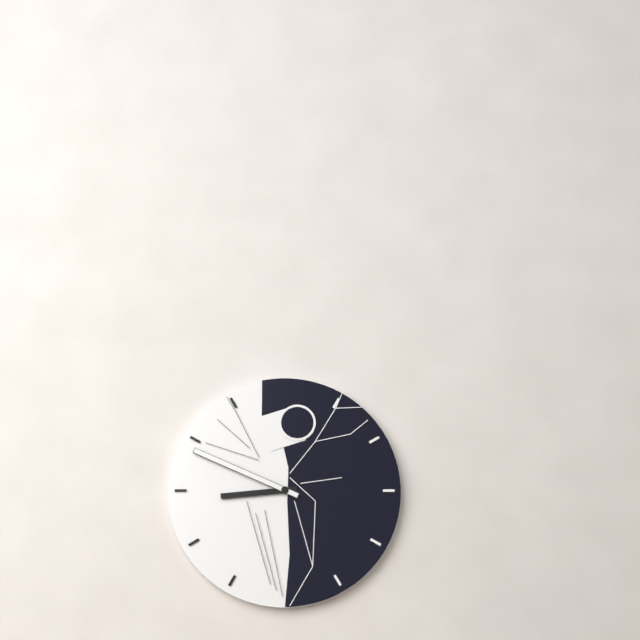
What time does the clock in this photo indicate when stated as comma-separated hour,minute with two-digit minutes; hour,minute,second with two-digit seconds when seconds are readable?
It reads 8,49
